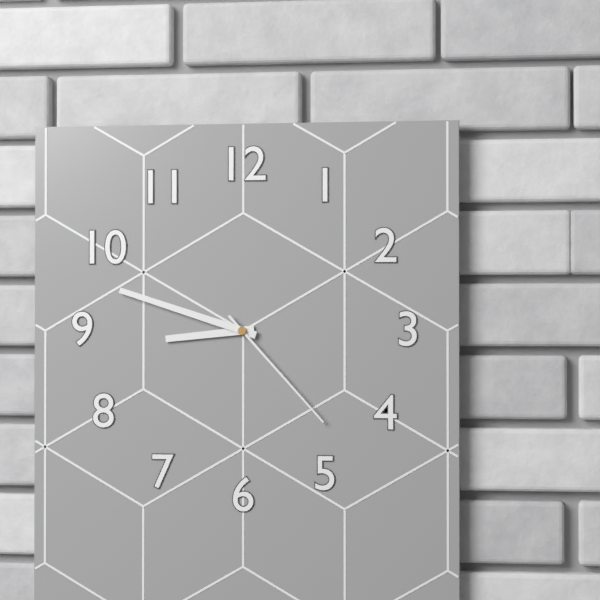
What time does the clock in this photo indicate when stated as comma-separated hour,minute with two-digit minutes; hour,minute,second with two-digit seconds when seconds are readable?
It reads 8,48,23
